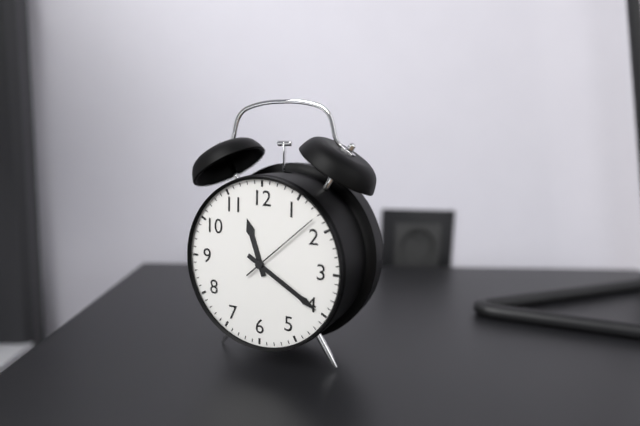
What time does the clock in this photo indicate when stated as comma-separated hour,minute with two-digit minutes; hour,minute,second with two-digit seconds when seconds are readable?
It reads 11,20,08
